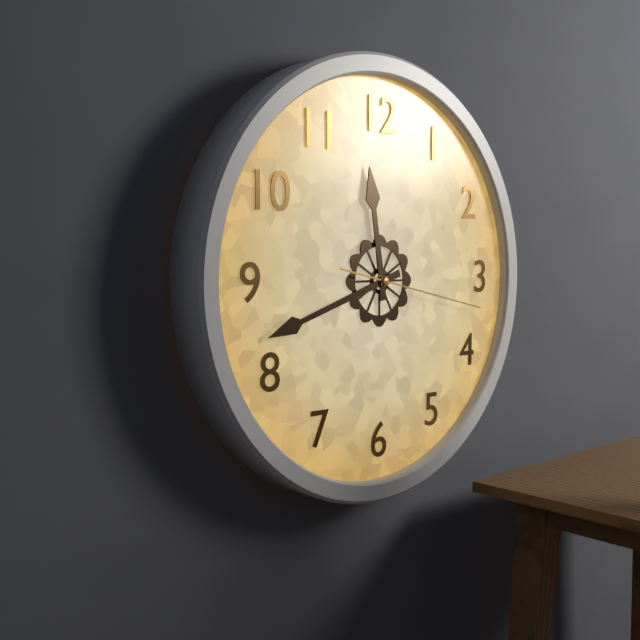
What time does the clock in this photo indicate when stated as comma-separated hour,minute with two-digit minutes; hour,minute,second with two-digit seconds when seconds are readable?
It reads 11,42,17
